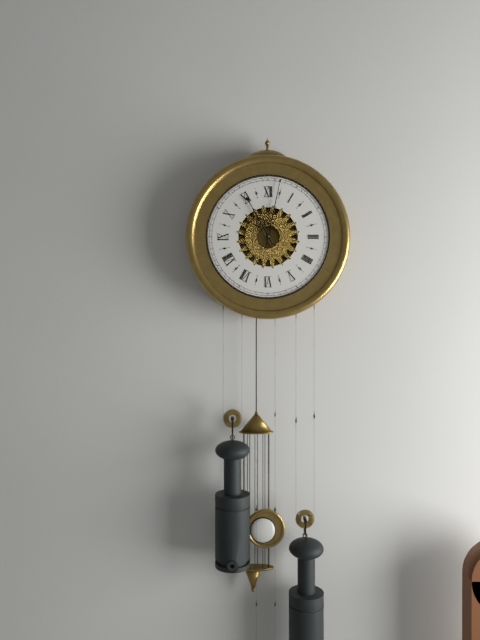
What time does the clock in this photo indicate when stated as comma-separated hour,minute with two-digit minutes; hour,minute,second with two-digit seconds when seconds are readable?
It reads 11,02
